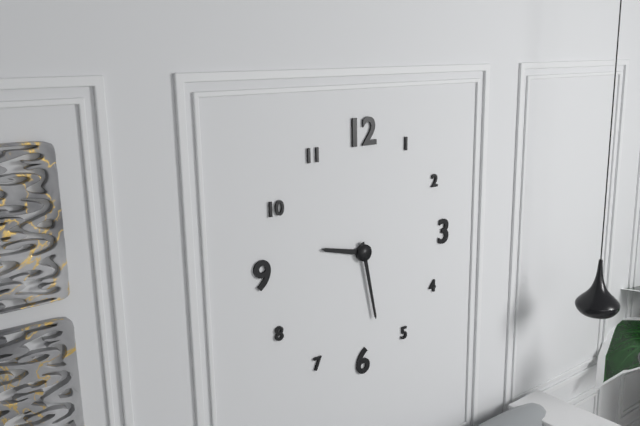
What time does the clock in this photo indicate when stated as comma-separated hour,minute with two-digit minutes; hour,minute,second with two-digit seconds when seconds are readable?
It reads 9,28
